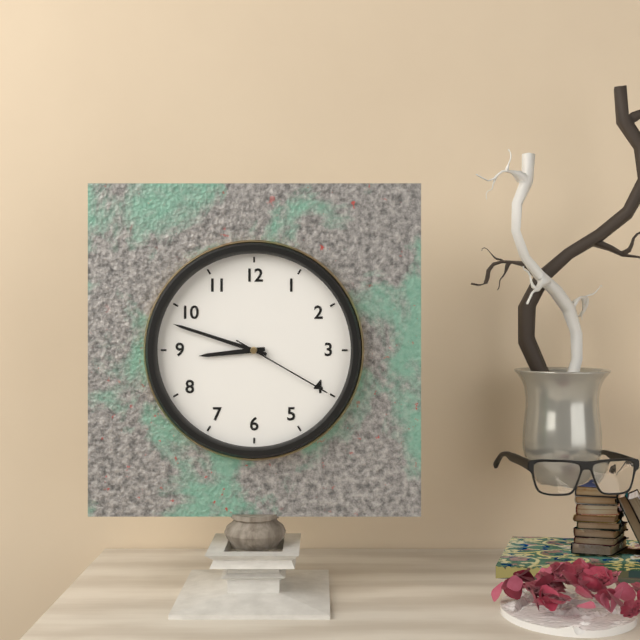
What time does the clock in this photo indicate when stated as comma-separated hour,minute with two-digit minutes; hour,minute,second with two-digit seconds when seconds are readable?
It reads 8,48,20
